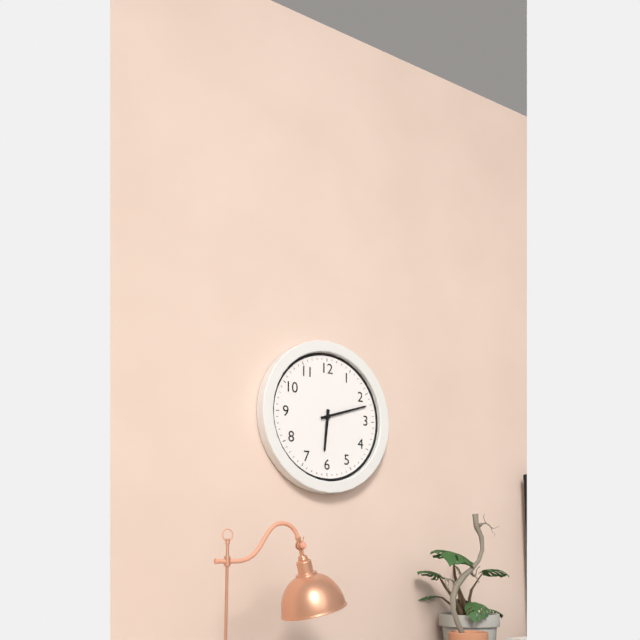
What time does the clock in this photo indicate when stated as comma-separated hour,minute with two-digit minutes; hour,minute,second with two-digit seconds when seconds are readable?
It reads 6,12
